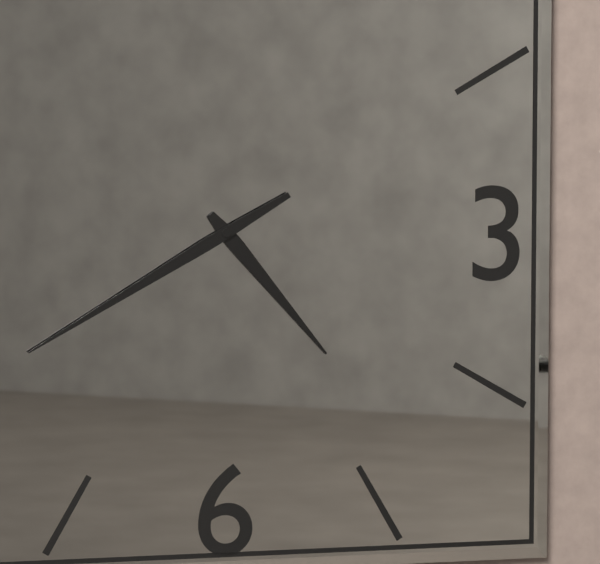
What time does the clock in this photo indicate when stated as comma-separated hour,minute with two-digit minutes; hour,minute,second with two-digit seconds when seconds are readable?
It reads 4,40
